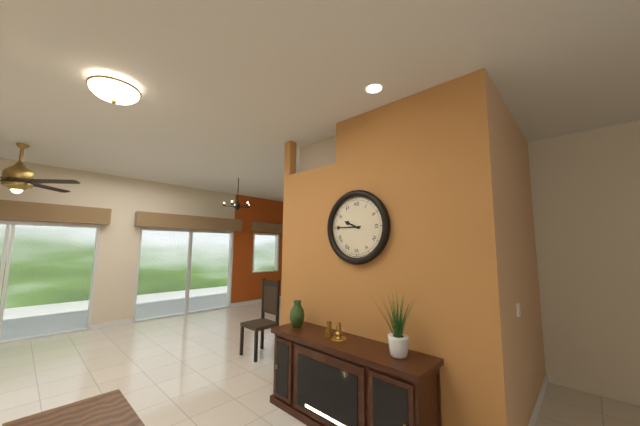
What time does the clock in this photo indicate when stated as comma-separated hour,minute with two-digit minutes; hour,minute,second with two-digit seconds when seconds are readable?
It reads 9,45
